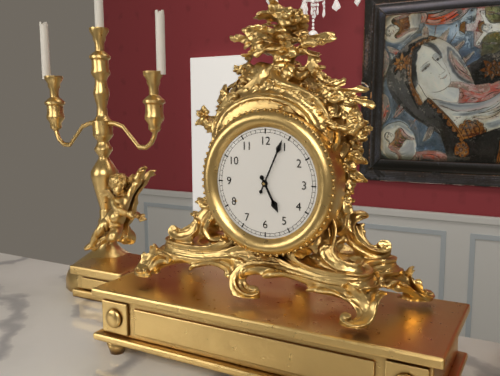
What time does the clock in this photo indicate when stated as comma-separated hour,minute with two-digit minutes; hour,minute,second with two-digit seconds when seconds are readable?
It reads 5,04
